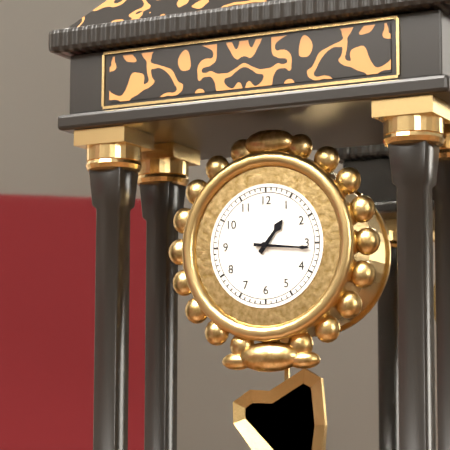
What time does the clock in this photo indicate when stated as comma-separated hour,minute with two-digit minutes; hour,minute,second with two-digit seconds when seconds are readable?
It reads 1,16
